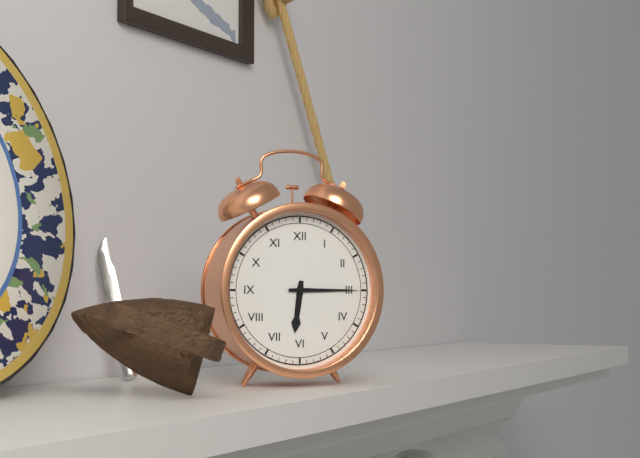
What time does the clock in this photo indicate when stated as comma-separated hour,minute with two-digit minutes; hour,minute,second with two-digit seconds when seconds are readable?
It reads 6,15
